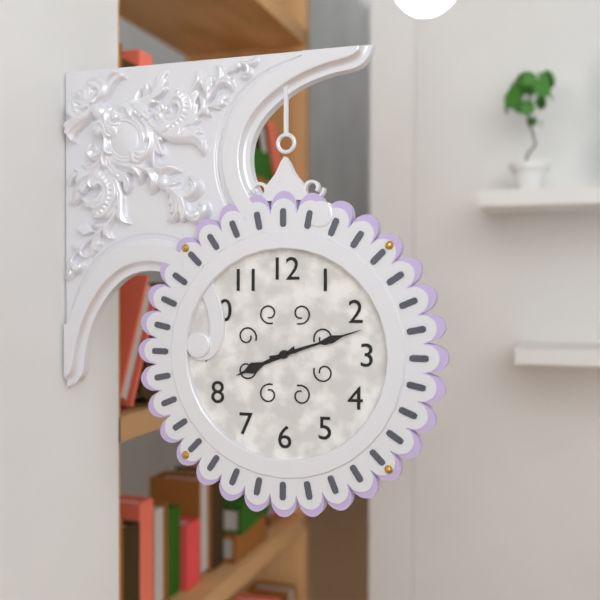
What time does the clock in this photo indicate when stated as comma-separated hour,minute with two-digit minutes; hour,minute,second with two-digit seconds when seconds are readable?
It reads 8,12
